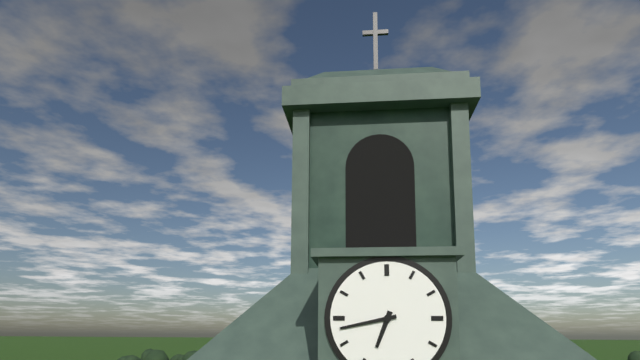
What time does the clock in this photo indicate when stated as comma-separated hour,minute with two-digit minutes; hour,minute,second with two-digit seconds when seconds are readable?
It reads 6,43
